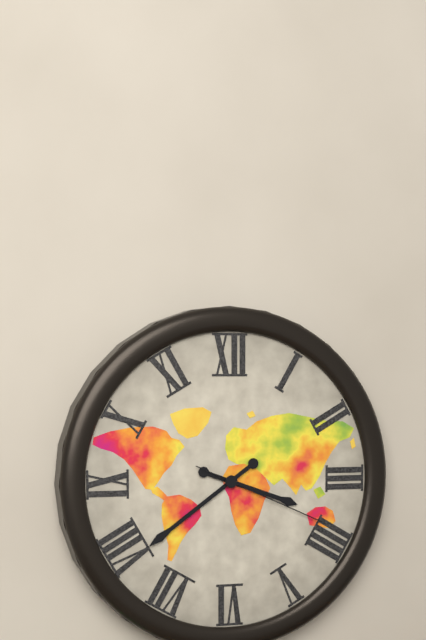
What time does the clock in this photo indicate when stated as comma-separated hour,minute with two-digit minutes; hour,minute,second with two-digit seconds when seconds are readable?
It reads 3,39,19
